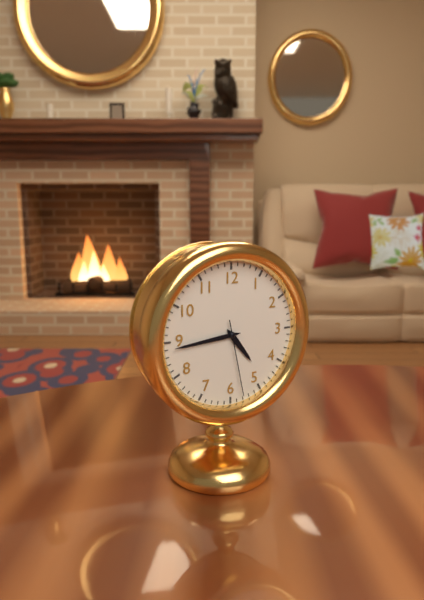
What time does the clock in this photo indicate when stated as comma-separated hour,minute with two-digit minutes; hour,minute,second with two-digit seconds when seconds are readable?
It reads 4,44,28
